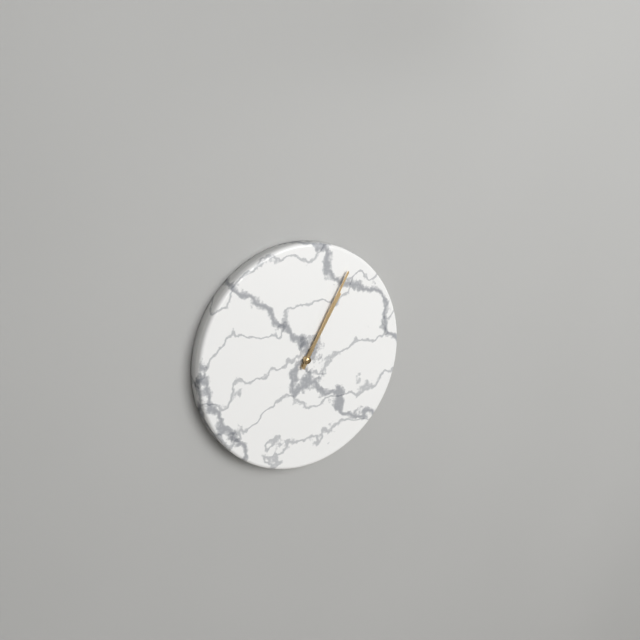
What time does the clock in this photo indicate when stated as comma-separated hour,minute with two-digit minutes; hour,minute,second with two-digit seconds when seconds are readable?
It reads 1,05
